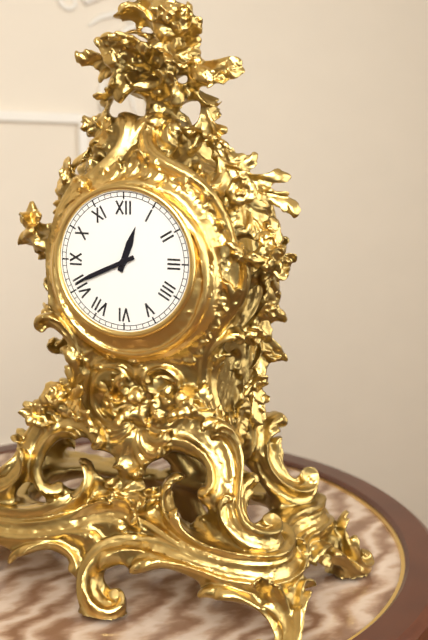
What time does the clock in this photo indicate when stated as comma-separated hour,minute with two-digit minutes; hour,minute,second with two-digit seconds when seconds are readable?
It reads 12,41
